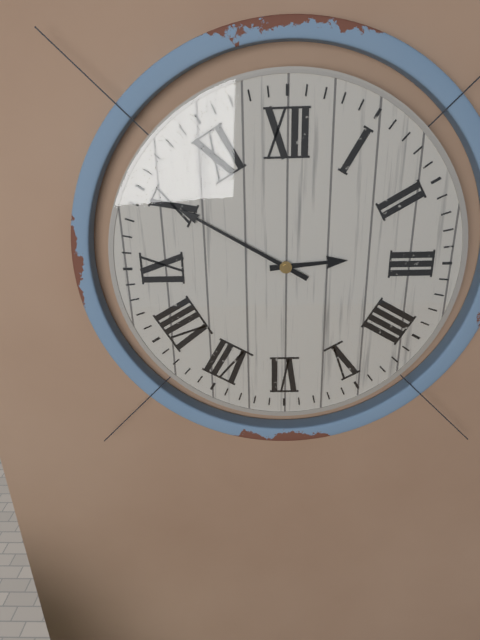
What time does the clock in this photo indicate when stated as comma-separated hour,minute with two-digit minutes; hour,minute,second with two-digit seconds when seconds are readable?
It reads 2,50
